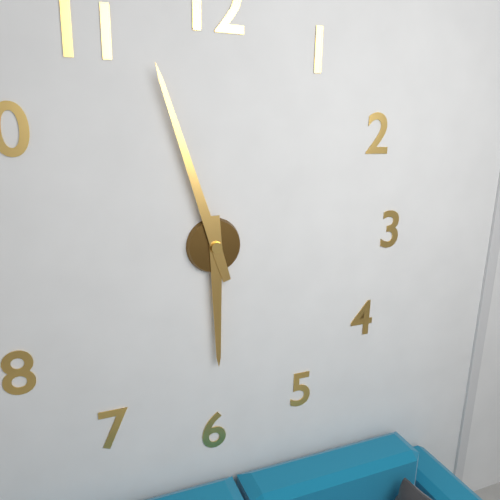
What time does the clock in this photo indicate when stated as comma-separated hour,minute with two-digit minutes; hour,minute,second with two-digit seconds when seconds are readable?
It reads 5,57
